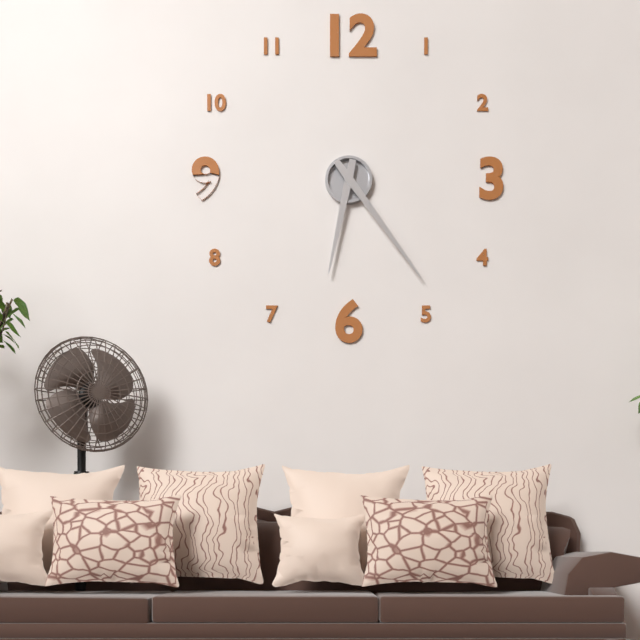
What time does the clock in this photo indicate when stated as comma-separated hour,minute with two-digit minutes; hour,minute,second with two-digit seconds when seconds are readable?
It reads 6,24
